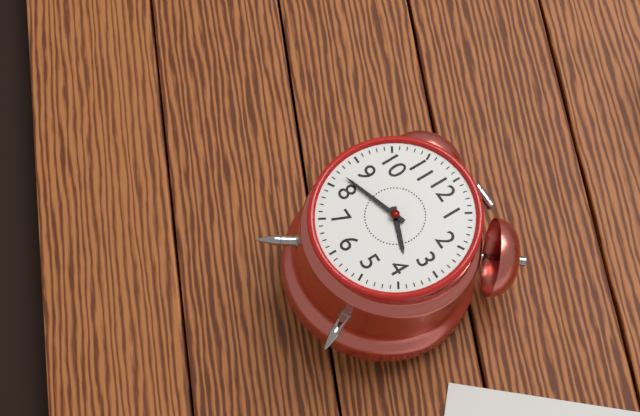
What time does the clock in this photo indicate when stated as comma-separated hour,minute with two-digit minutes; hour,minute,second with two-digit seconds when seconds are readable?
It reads 3,42
